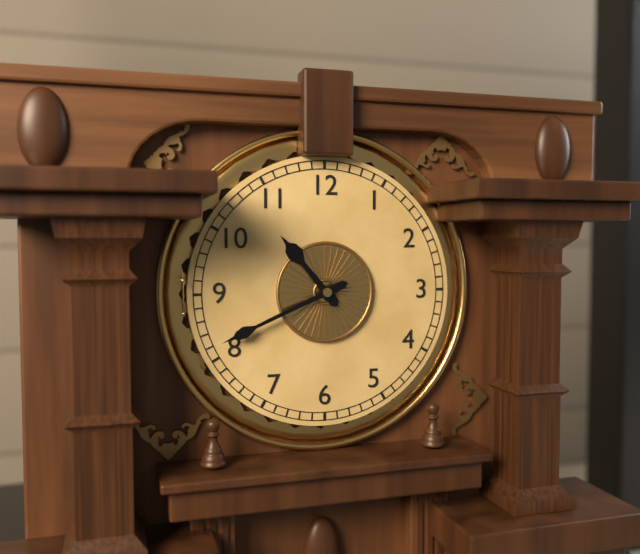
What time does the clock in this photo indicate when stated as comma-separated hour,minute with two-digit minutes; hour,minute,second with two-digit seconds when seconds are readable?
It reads 10,41
